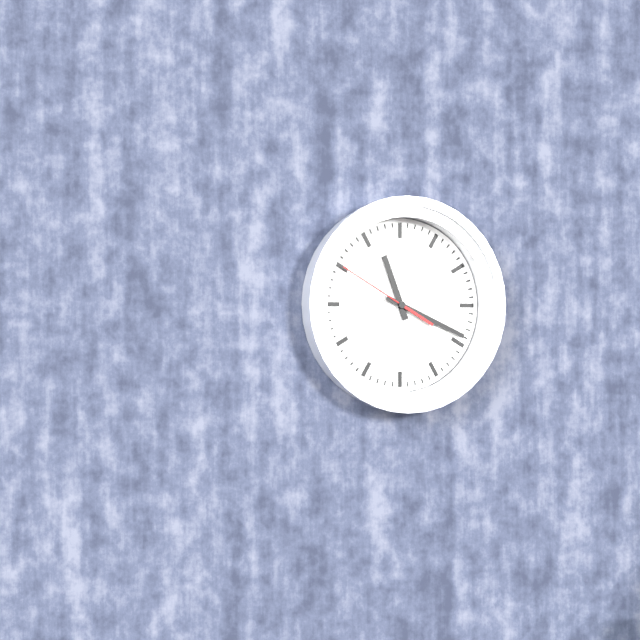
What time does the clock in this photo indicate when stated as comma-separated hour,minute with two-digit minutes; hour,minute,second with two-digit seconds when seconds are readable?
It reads 11,19,50
